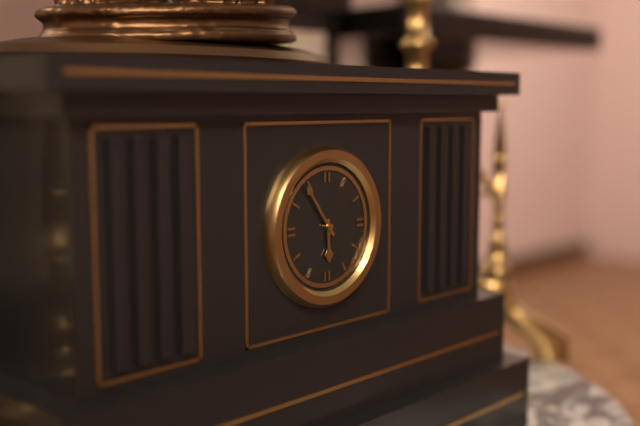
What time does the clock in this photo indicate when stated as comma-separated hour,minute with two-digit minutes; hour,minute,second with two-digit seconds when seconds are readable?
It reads 5,54
